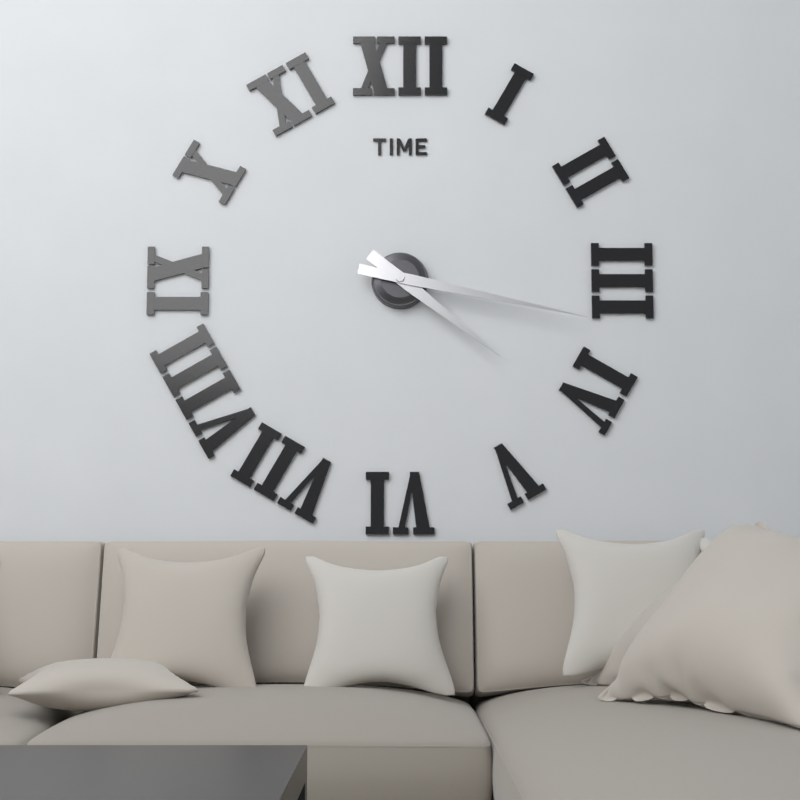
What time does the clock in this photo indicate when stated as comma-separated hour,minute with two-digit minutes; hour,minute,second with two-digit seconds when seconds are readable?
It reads 4,17
